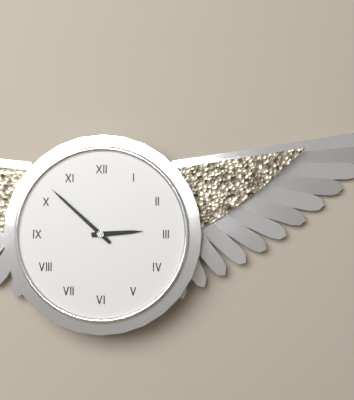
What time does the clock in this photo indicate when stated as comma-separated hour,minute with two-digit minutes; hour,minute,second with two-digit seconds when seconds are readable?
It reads 2,52
